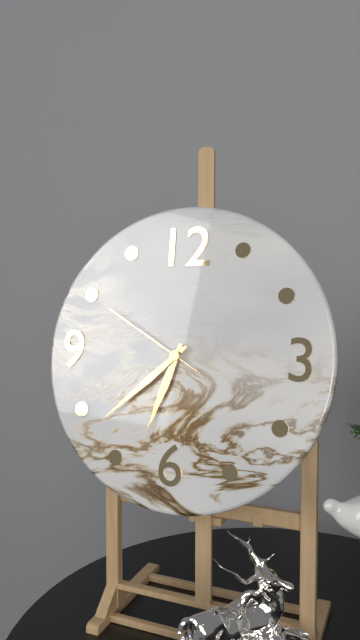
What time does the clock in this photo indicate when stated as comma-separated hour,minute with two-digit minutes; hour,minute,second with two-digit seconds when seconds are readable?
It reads 6,38,50
